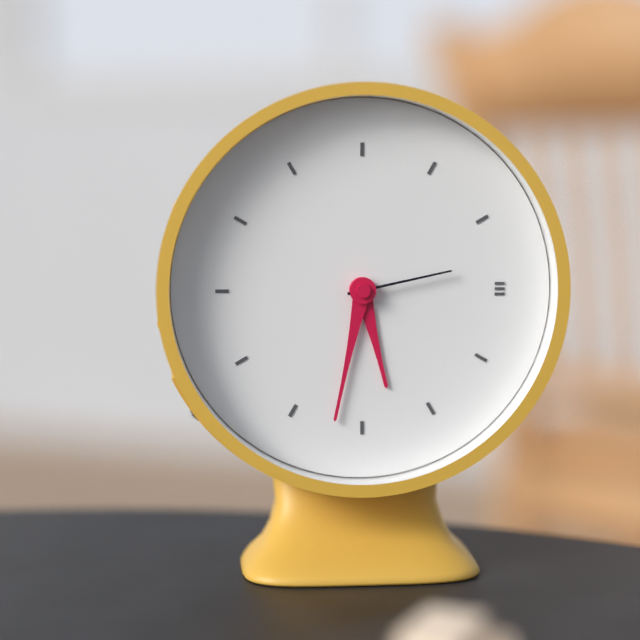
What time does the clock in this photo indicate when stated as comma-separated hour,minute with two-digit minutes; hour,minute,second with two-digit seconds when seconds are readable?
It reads 5,32,13
